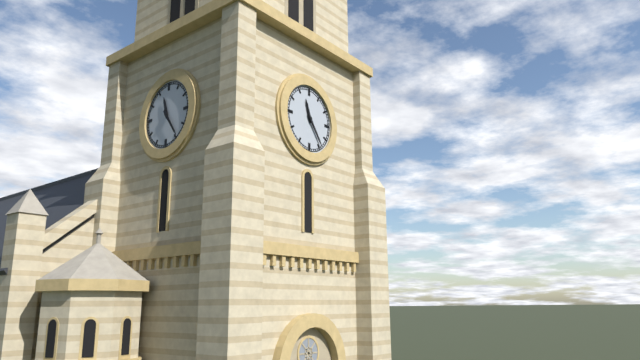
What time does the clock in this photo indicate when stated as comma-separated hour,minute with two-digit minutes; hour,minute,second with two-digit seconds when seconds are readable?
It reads 11,24
